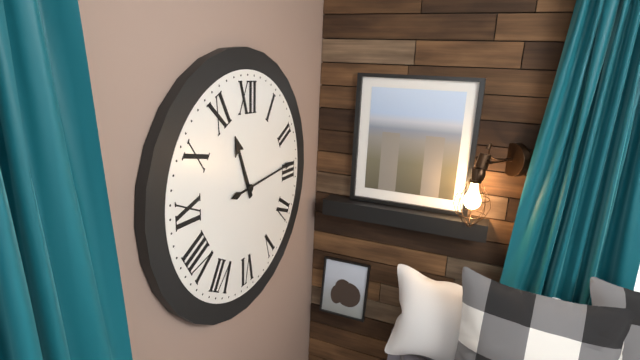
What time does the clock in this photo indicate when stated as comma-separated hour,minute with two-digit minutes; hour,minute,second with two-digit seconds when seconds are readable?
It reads 11,14
